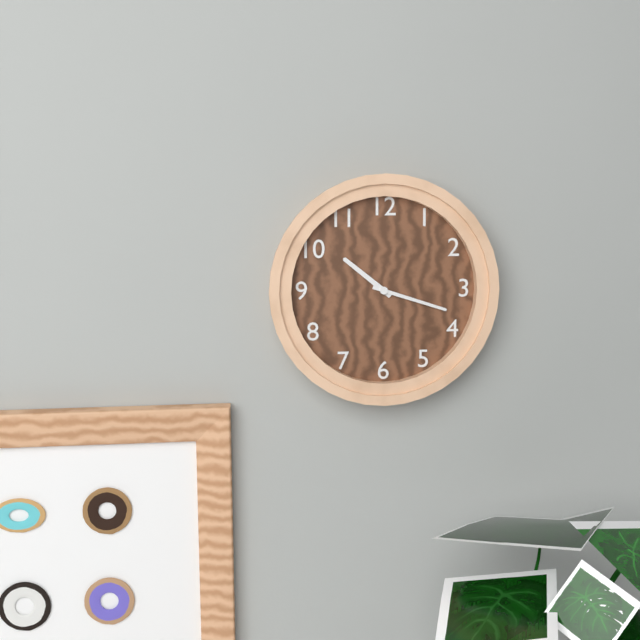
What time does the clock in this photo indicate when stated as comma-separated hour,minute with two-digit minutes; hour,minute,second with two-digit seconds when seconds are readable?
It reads 10,18
